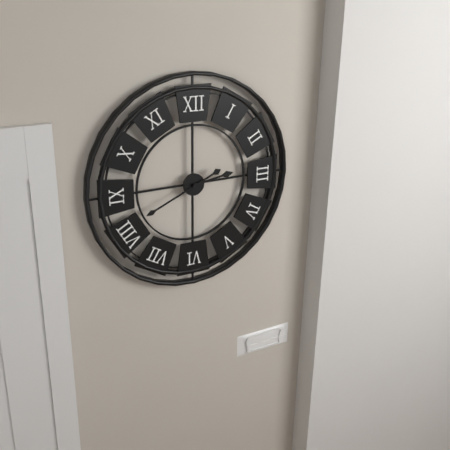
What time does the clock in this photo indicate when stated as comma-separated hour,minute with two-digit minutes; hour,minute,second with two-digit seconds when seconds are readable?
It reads 2,41
